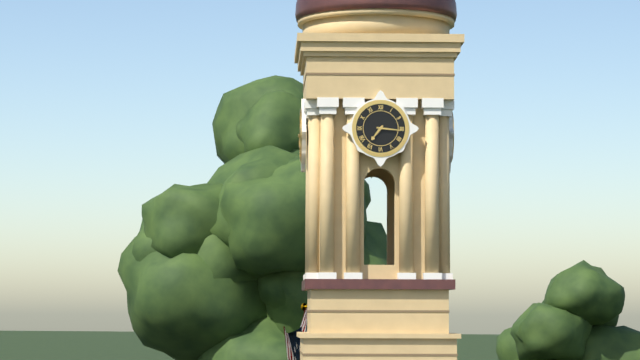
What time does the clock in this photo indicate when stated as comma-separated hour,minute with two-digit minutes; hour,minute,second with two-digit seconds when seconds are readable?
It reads 7,16
